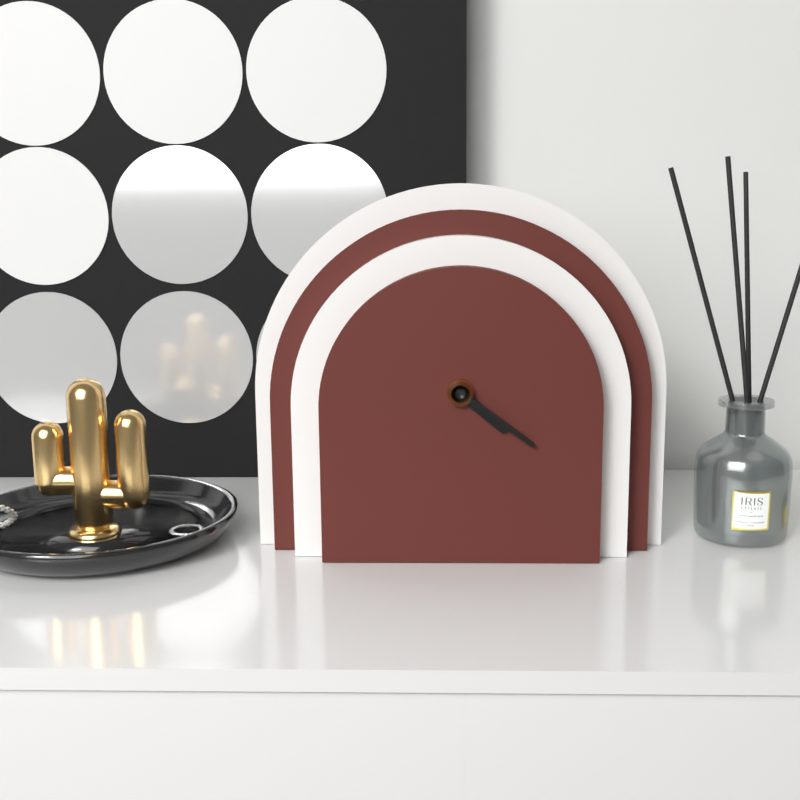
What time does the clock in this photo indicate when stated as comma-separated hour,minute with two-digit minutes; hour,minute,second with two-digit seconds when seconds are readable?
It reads 4,21
